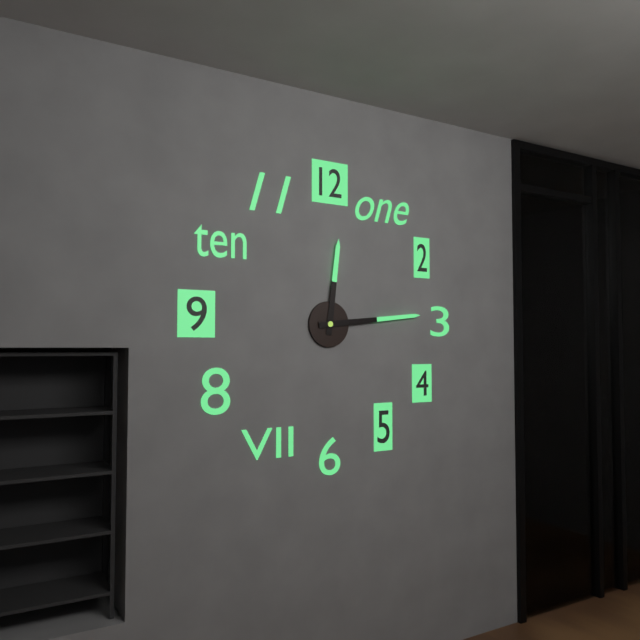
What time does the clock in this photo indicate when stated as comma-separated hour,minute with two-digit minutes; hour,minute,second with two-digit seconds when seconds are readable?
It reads 12,14
